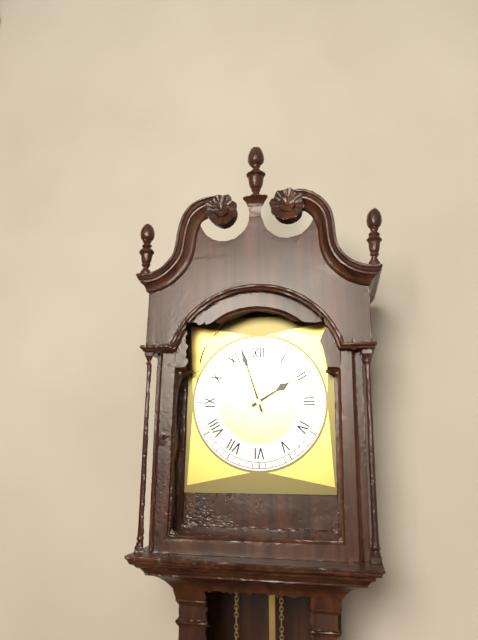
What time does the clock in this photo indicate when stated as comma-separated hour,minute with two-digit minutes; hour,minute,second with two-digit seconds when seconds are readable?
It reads 1,57
